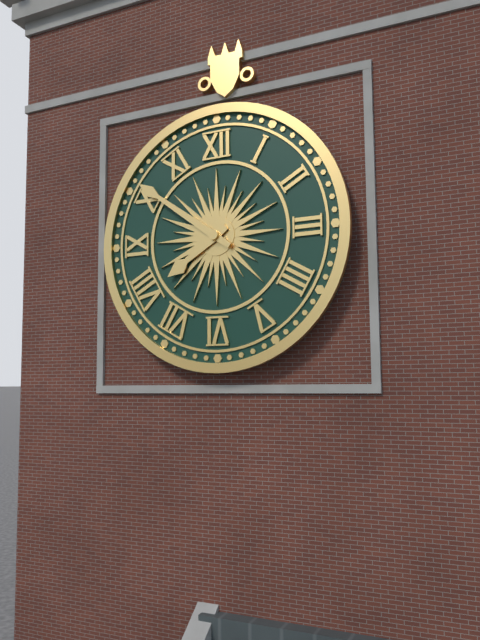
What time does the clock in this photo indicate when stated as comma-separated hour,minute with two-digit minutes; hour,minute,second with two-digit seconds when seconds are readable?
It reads 7,51
